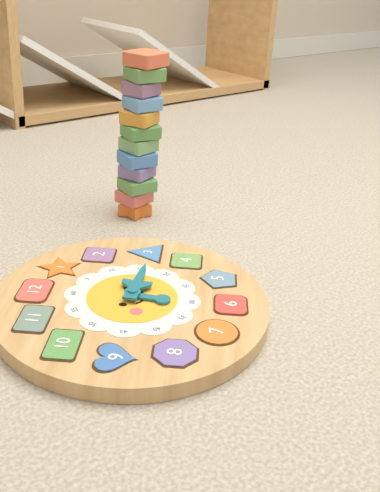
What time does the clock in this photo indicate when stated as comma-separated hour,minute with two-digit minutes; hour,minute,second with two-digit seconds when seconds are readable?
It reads 6,16
